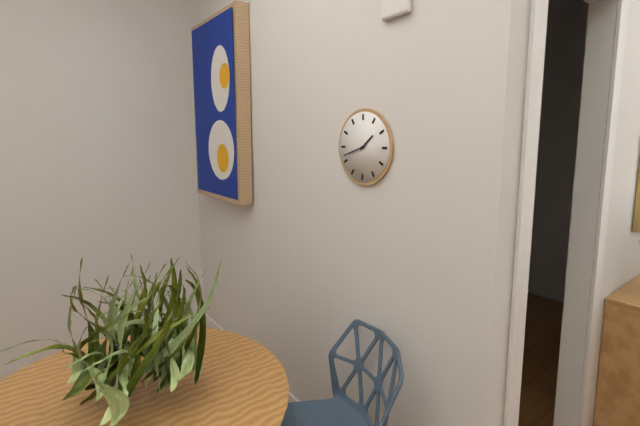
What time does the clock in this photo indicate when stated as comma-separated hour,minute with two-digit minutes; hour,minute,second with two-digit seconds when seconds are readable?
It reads 1,42
